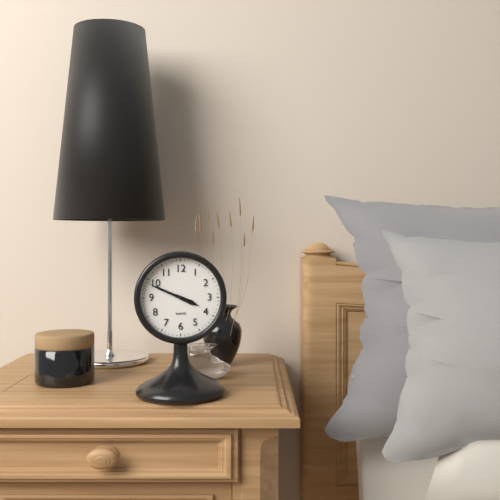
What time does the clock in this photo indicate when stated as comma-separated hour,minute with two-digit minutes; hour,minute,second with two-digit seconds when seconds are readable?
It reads 3,49
